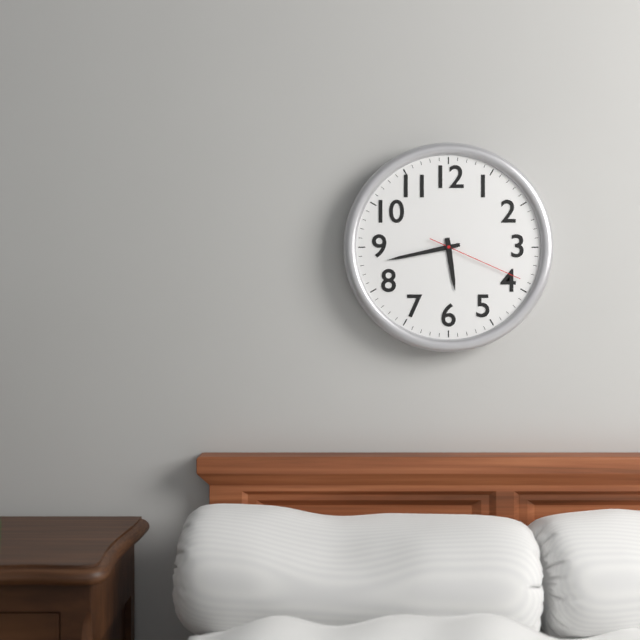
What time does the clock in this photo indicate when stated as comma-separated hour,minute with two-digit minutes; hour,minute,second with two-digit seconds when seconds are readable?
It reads 5,43,19
